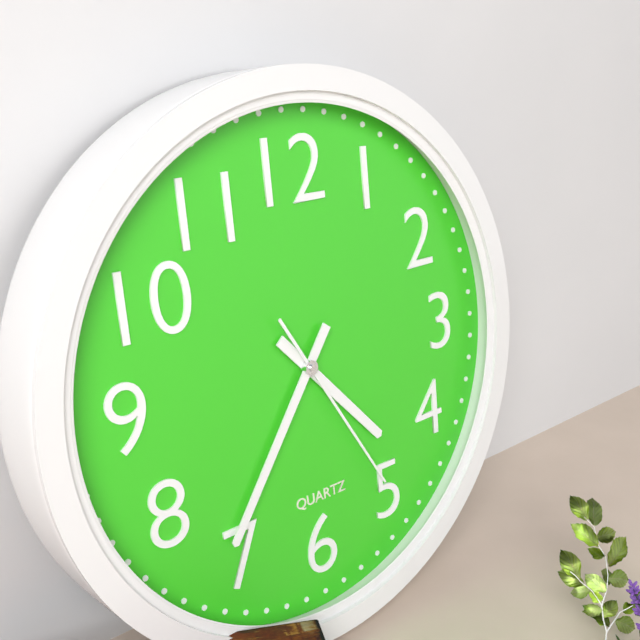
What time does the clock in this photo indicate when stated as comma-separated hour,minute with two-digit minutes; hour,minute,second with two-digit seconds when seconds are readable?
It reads 4,36,25
